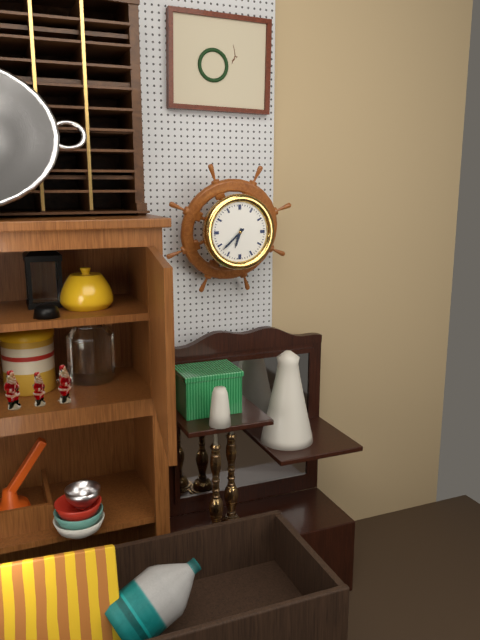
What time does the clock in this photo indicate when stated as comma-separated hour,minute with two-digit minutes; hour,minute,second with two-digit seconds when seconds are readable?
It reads 6,38
